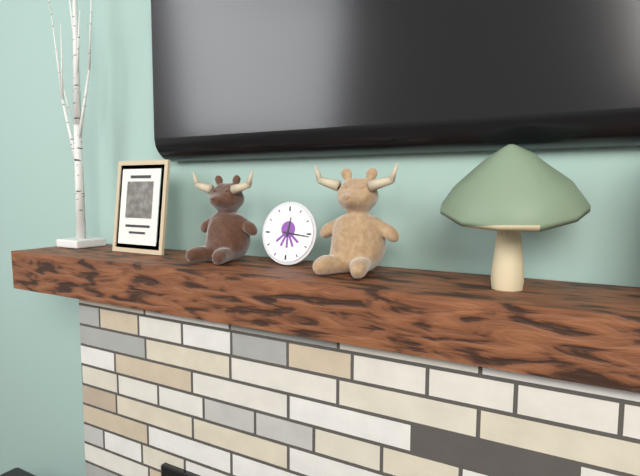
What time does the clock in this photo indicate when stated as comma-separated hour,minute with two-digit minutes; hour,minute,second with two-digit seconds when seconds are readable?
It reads 12,16
